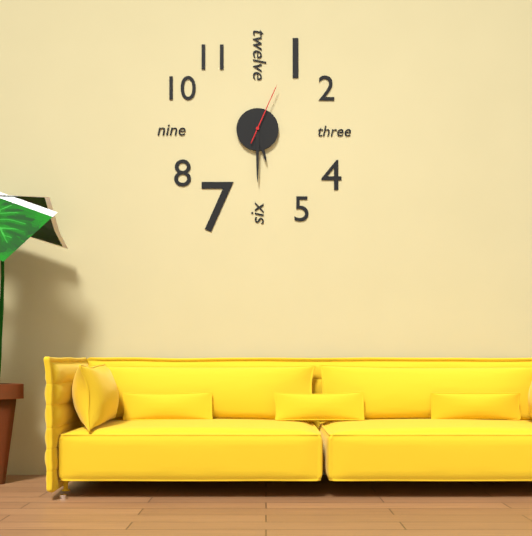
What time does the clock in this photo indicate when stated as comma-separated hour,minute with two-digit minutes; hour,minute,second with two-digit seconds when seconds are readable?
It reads 5,30,04
